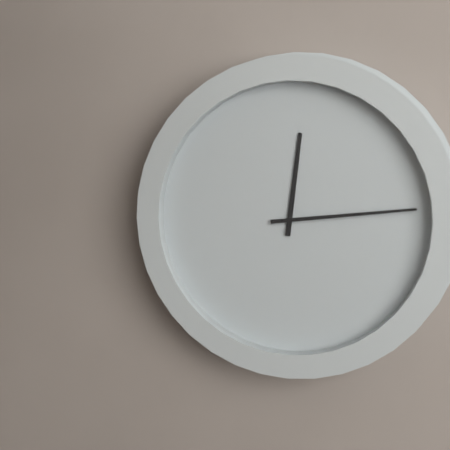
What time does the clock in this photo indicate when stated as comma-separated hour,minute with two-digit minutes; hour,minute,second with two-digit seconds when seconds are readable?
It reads 12,14
